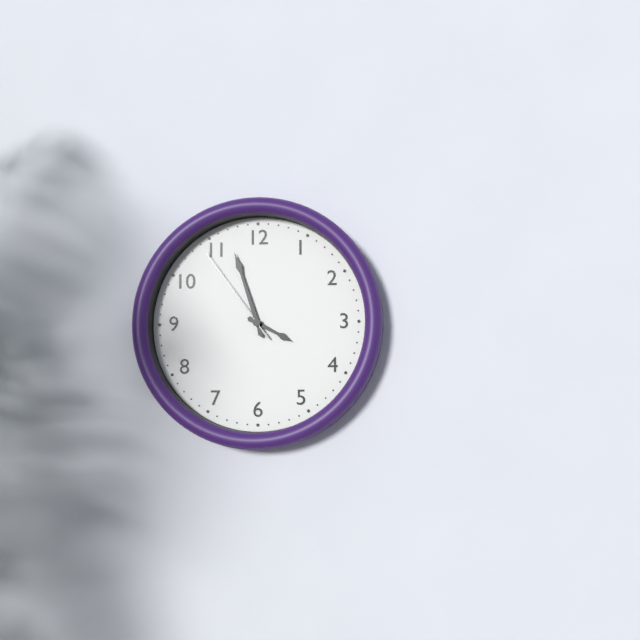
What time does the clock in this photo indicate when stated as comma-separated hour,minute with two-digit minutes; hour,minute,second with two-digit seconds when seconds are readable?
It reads 3,57,54
